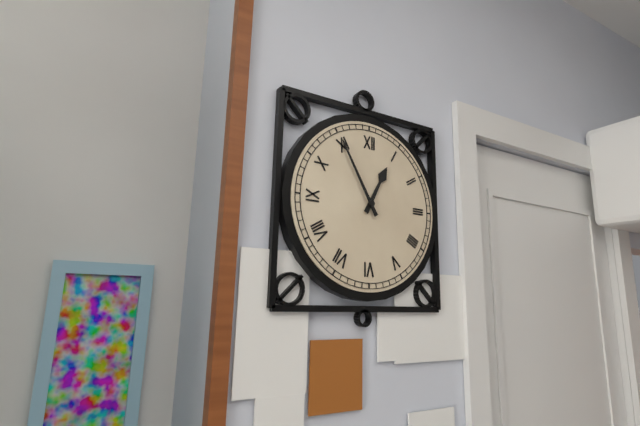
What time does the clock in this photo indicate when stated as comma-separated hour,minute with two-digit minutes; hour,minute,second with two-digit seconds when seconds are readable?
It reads 12,55
